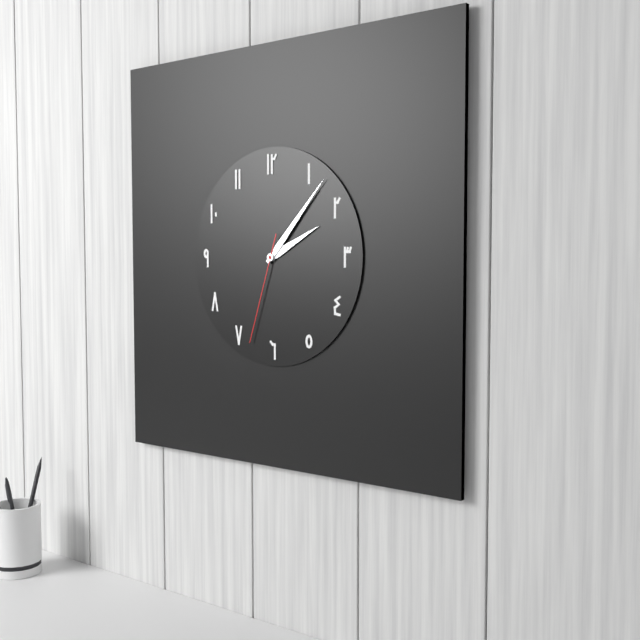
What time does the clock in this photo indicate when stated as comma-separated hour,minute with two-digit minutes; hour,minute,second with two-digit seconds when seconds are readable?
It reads 2,07,33
